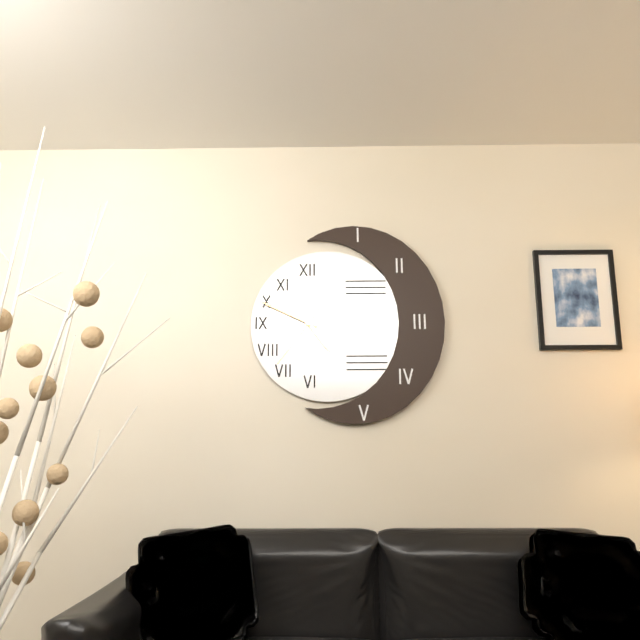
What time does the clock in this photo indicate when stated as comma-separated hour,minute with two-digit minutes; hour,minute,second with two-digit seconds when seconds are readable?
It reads 4,49,36
